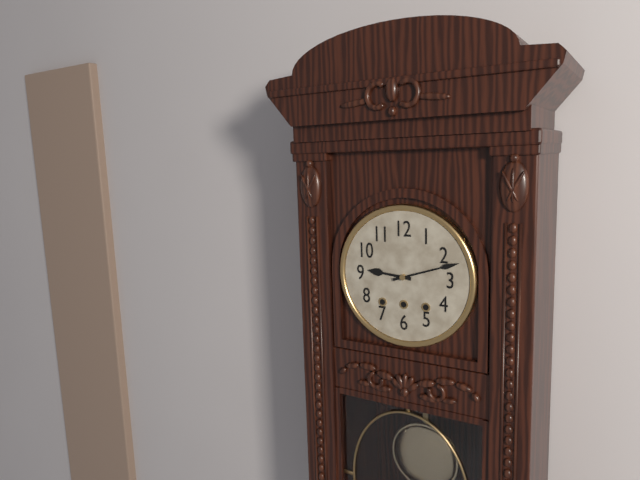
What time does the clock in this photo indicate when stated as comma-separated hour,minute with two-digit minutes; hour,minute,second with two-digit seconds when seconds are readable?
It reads 9,12
